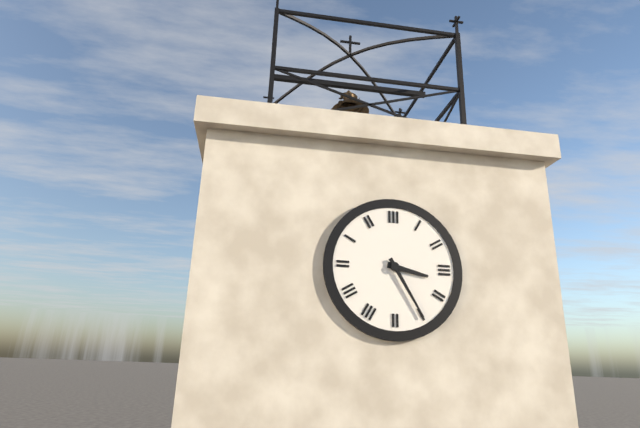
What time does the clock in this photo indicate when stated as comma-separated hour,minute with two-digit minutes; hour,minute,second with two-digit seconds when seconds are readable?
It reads 3,25
